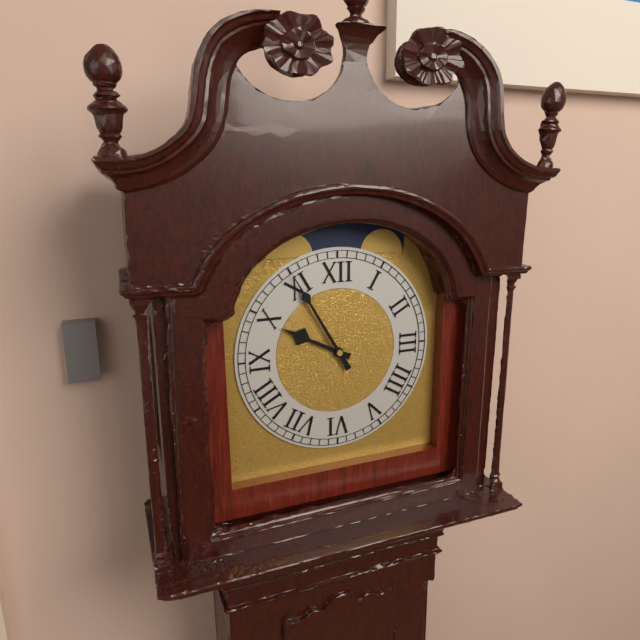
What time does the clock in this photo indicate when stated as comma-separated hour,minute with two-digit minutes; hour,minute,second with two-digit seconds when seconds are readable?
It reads 9,55
